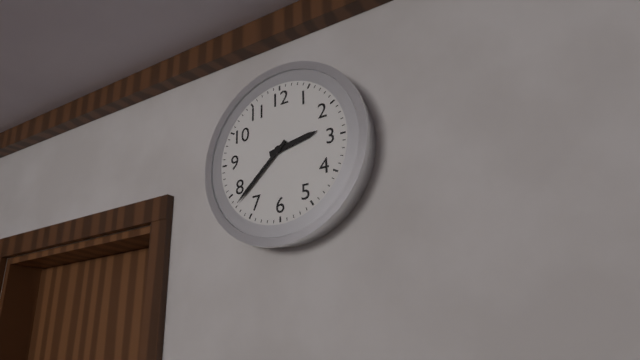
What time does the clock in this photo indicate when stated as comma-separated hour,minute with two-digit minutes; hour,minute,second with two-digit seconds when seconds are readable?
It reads 2,38
